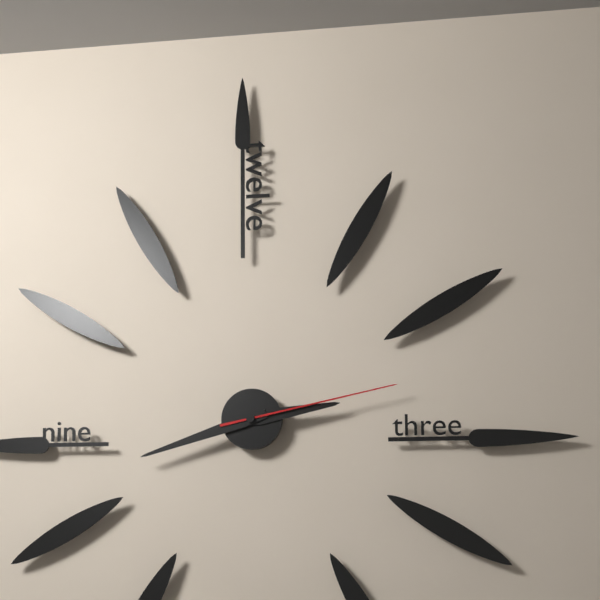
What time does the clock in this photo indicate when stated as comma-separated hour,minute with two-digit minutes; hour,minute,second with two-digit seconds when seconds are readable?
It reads 2,42,13
